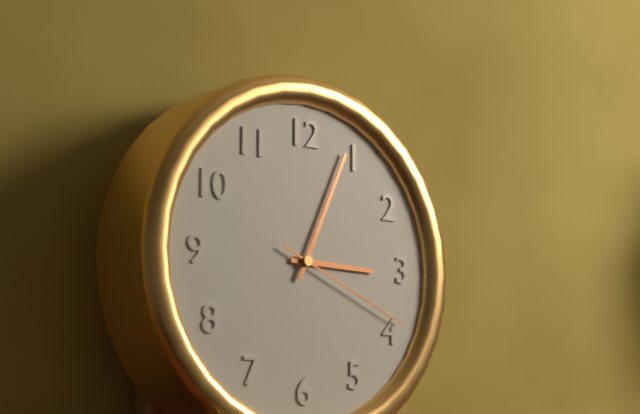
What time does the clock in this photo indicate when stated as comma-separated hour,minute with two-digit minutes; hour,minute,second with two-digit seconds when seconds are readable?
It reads 3,04,19
